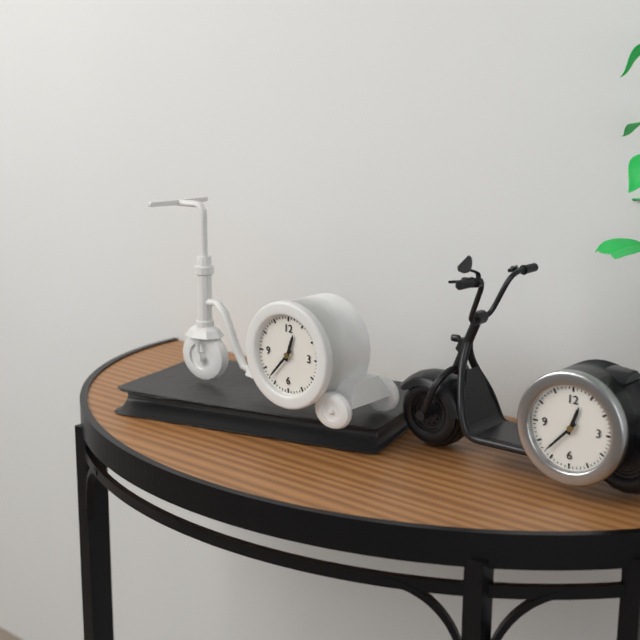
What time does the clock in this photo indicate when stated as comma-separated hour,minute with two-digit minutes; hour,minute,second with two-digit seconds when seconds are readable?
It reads 12,37
